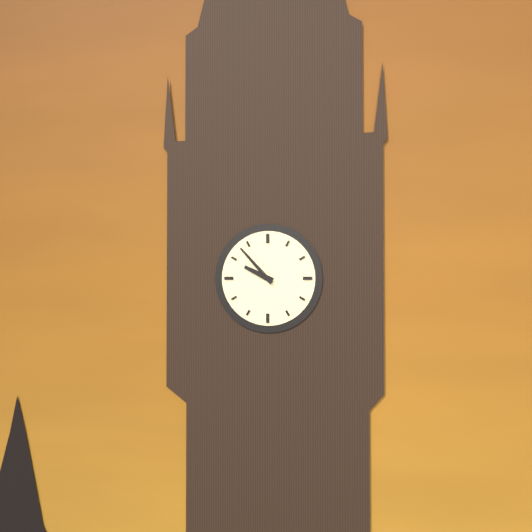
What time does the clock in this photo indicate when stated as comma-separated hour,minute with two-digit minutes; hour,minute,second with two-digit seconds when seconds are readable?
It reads 9,53
